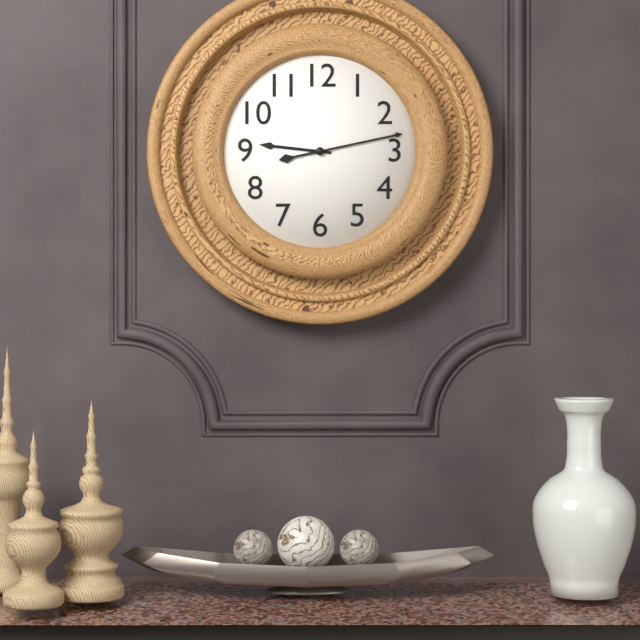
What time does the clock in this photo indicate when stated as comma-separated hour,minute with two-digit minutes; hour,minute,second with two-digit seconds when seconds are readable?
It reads 9,13
